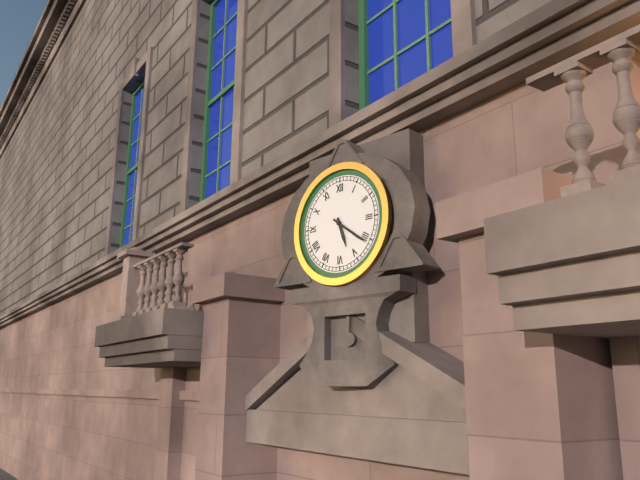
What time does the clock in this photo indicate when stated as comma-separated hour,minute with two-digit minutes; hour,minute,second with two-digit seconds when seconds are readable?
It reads 5,21
